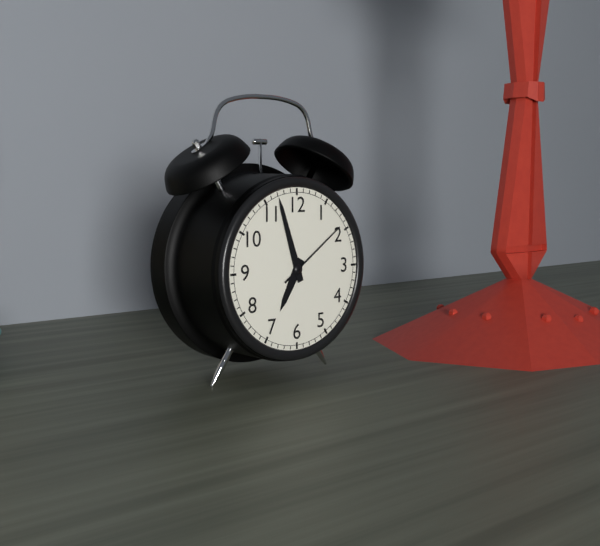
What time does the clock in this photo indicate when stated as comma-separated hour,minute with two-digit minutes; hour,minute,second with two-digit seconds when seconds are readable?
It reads 6,57,09
